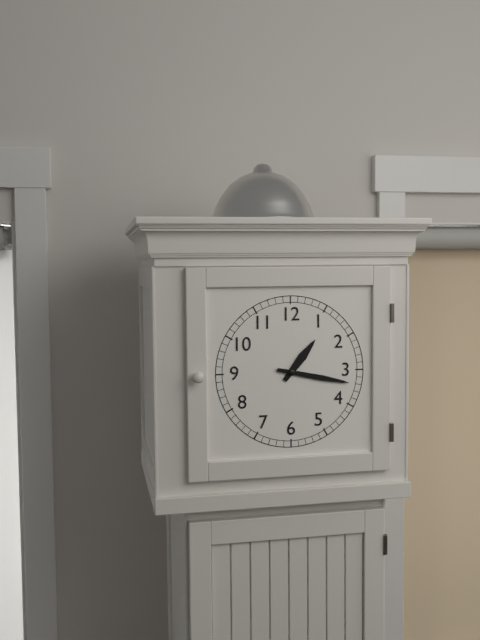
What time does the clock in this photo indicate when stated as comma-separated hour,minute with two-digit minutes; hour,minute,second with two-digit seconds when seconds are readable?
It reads 1,17
